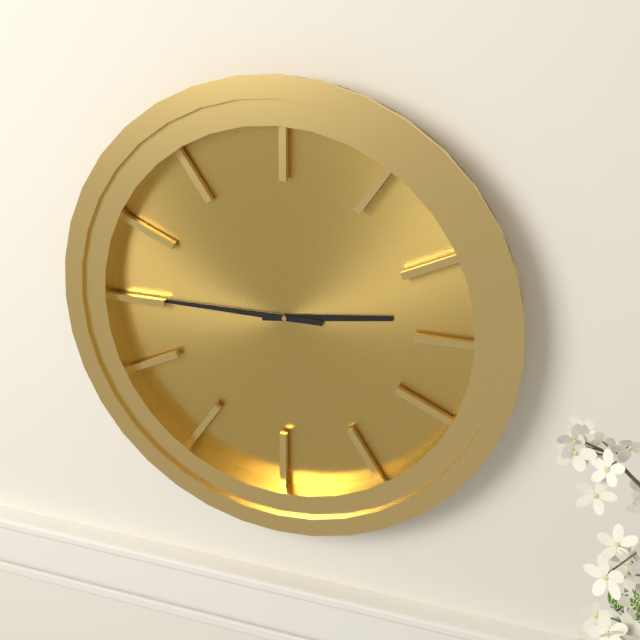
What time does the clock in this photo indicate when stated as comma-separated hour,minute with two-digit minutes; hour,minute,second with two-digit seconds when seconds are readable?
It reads 2,45
